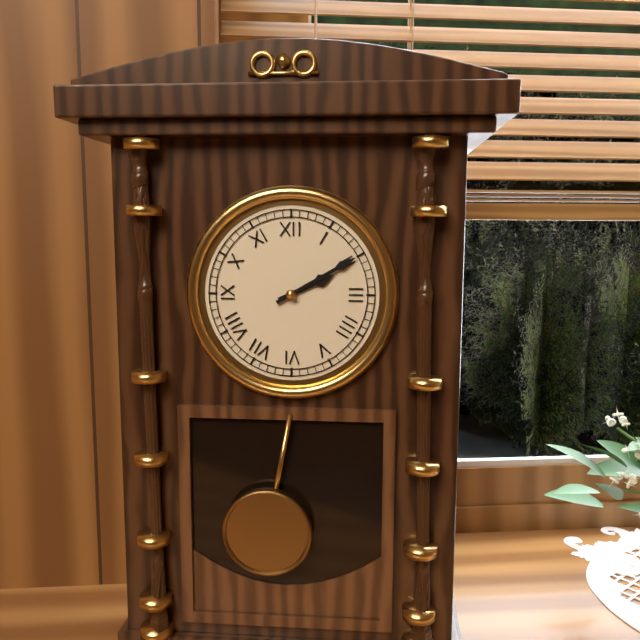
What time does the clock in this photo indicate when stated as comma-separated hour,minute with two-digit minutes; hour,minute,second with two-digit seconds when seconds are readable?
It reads 2,10
